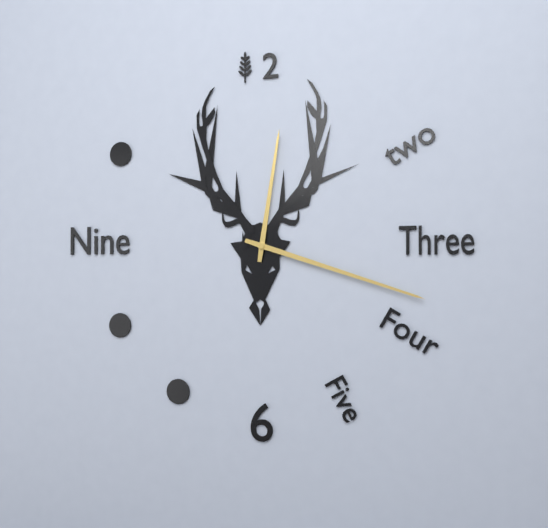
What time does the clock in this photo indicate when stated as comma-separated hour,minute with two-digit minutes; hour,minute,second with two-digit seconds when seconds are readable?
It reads 12,18
